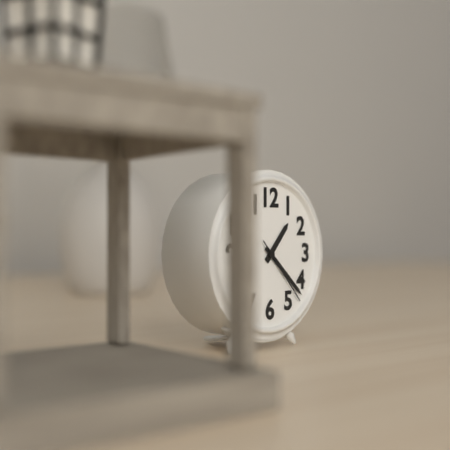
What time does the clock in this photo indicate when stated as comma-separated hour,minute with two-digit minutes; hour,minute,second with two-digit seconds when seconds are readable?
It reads 1,22,23
